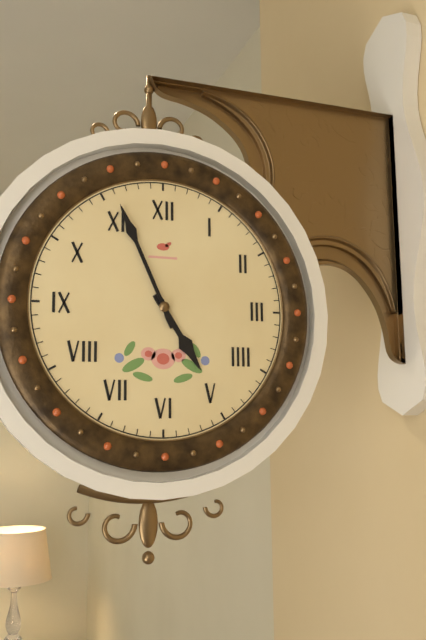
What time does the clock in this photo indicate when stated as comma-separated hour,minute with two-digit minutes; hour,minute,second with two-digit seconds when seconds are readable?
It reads 4,56
